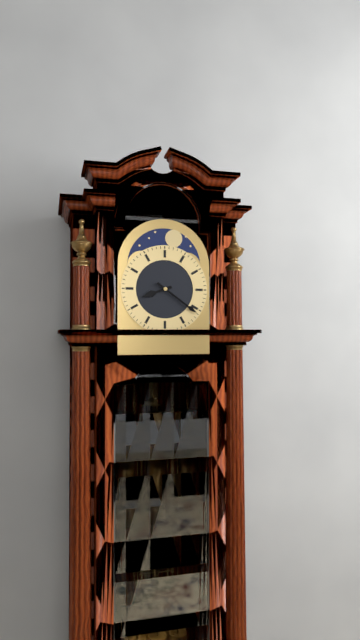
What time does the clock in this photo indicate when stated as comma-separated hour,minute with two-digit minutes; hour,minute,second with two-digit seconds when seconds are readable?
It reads 8,21
